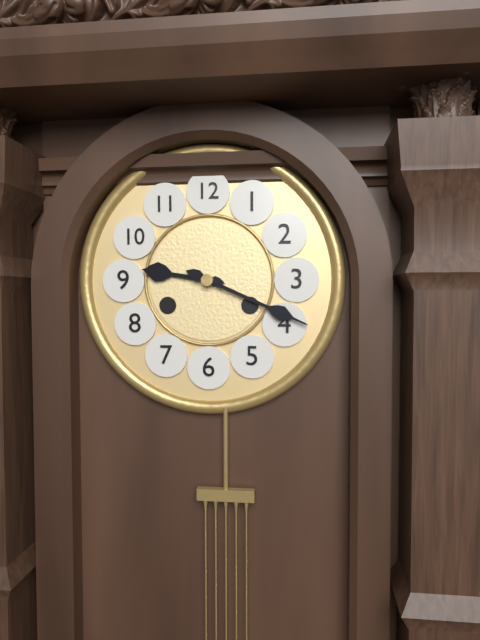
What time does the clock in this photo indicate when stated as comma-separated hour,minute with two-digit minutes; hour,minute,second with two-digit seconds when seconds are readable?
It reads 9,19
